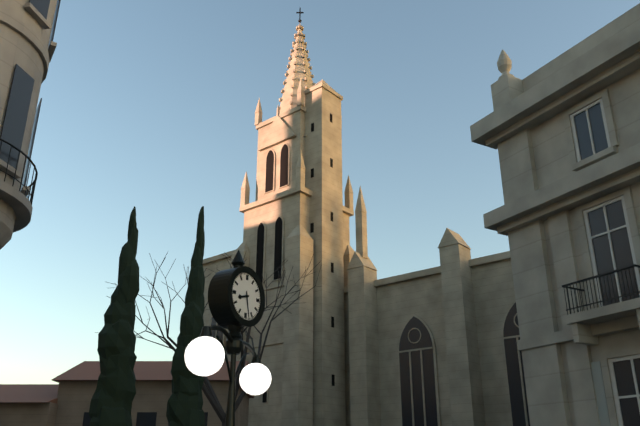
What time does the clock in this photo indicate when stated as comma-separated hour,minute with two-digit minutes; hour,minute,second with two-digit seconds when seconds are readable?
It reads 8,28
